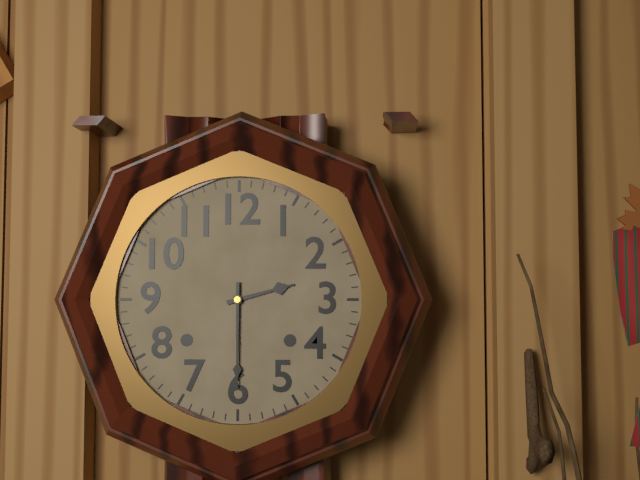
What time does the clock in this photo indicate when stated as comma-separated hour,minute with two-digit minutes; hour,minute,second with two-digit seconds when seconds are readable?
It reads 2,30
